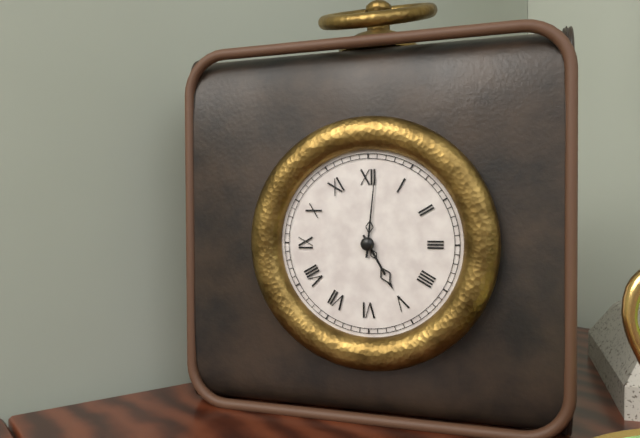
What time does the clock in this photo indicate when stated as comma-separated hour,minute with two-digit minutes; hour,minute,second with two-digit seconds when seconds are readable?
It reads 5,01
